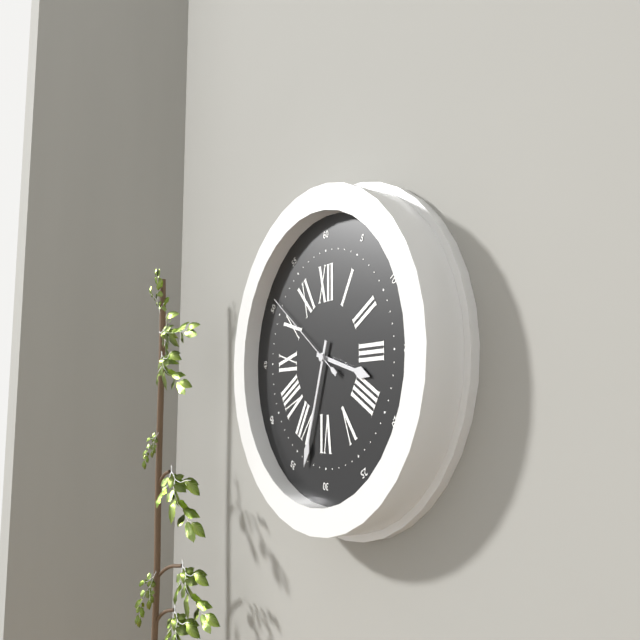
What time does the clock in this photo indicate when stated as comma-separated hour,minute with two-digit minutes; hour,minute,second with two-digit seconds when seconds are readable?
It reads 3,33,51
